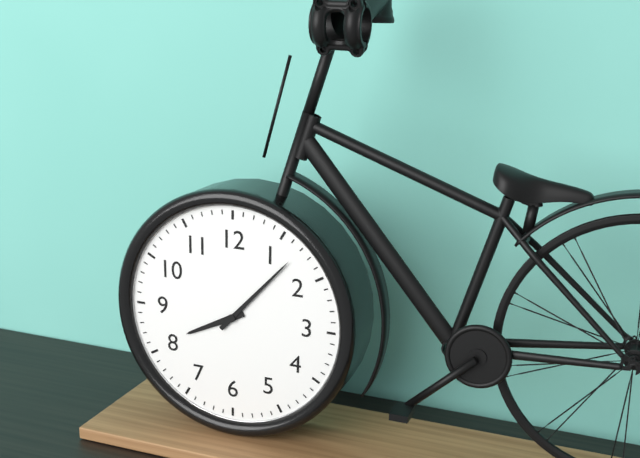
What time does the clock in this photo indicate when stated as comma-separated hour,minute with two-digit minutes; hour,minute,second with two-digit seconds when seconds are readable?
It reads 8,07
